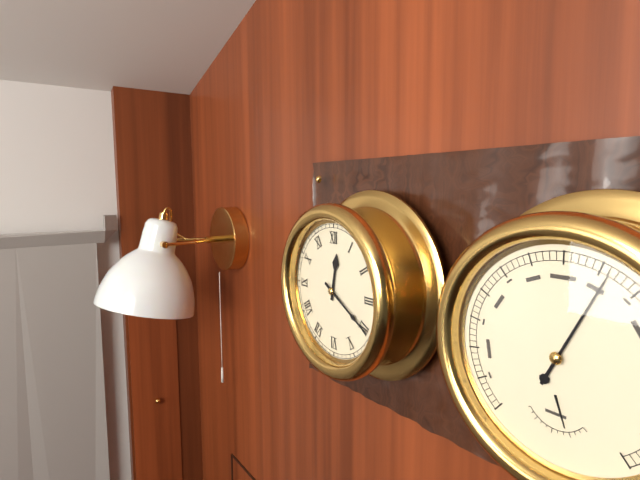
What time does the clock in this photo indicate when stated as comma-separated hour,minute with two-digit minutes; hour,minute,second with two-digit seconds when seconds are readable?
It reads 12,20
